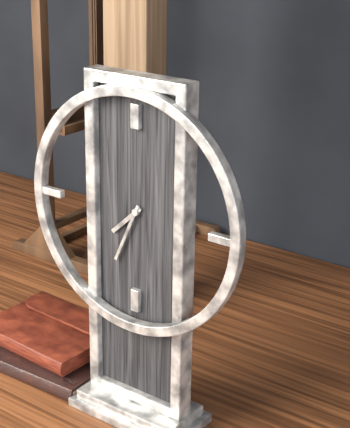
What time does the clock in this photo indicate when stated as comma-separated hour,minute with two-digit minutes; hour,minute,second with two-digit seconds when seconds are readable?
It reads 7,34
